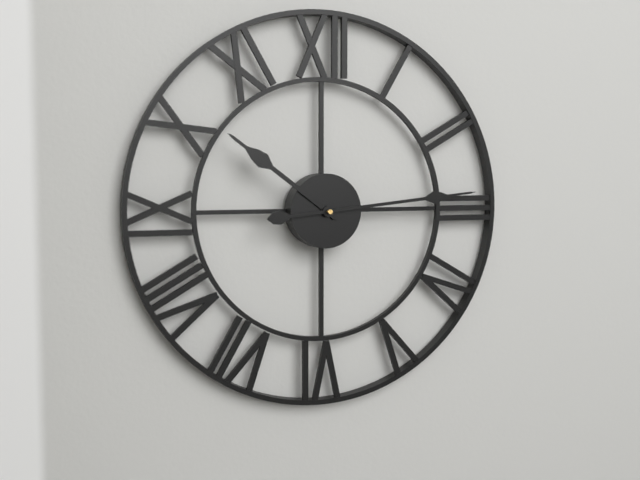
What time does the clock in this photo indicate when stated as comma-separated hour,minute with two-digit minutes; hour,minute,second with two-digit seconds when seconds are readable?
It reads 10,14
